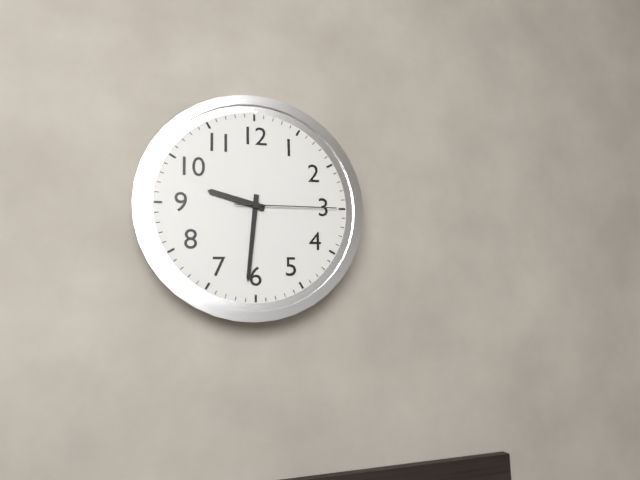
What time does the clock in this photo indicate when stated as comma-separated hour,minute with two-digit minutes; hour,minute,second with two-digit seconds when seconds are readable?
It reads 9,31,15
